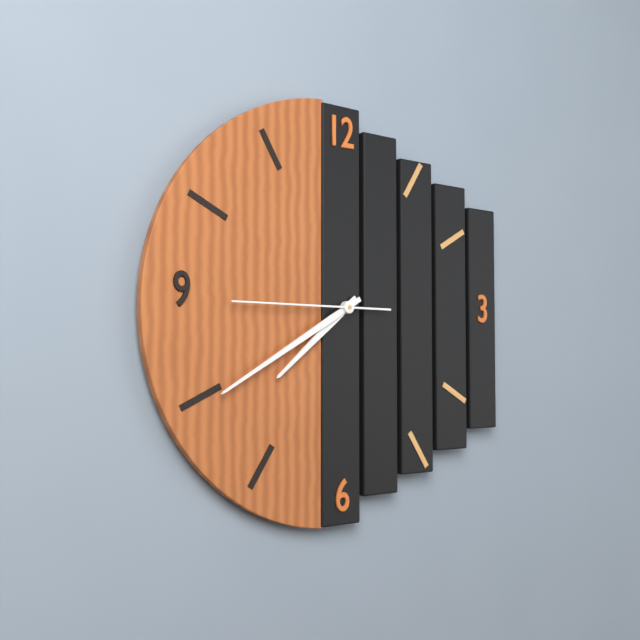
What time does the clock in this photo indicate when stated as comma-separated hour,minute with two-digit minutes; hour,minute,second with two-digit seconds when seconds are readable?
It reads 7,40,45
